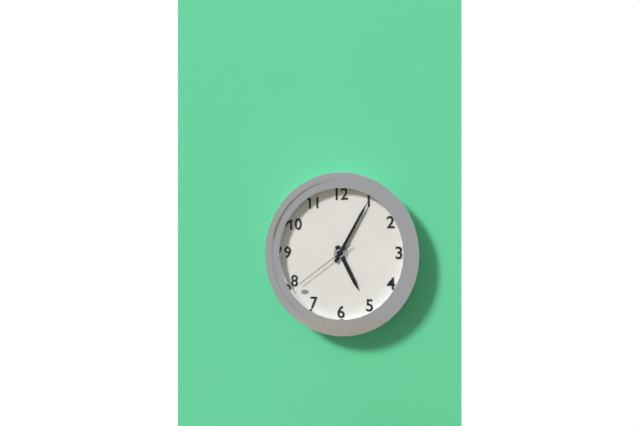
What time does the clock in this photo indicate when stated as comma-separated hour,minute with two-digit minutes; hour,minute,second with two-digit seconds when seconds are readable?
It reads 5,05,39
